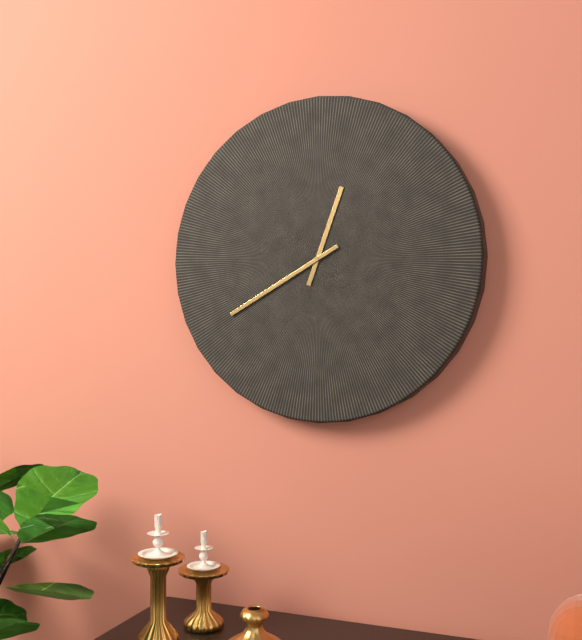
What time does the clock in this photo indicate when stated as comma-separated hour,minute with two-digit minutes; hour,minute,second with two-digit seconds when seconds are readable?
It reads 12,40
